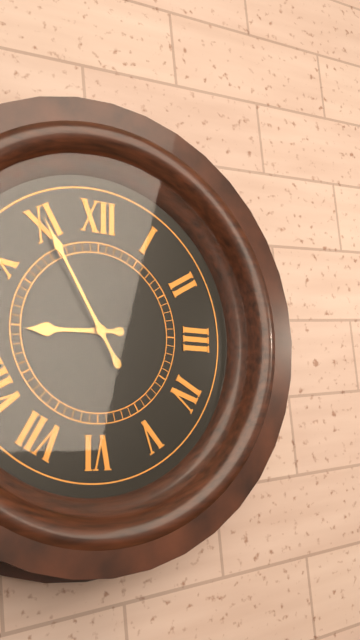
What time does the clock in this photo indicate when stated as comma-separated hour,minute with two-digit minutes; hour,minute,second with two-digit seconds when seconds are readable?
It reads 8,55
